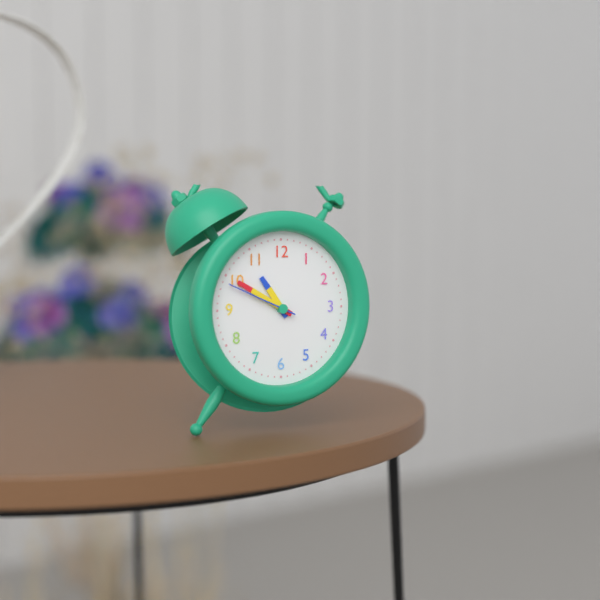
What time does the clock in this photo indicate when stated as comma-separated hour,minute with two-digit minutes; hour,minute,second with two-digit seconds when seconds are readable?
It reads 10,50,49
